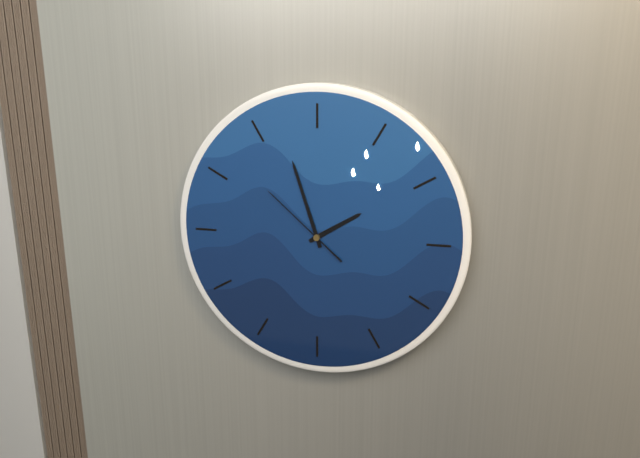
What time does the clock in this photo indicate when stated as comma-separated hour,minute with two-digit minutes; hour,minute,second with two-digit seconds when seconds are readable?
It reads 1,57,52
